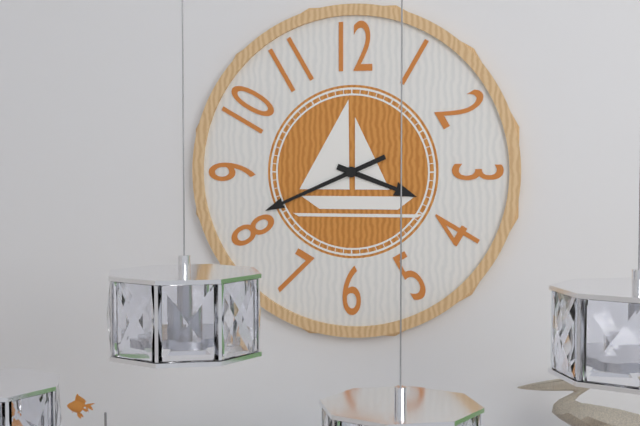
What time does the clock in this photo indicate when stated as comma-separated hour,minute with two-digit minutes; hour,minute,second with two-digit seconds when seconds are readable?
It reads 3,41
